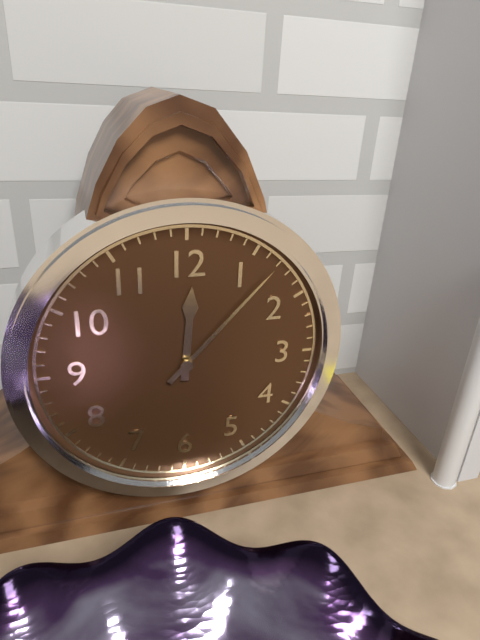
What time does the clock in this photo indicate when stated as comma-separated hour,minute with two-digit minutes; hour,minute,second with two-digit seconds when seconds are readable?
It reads 12,07
